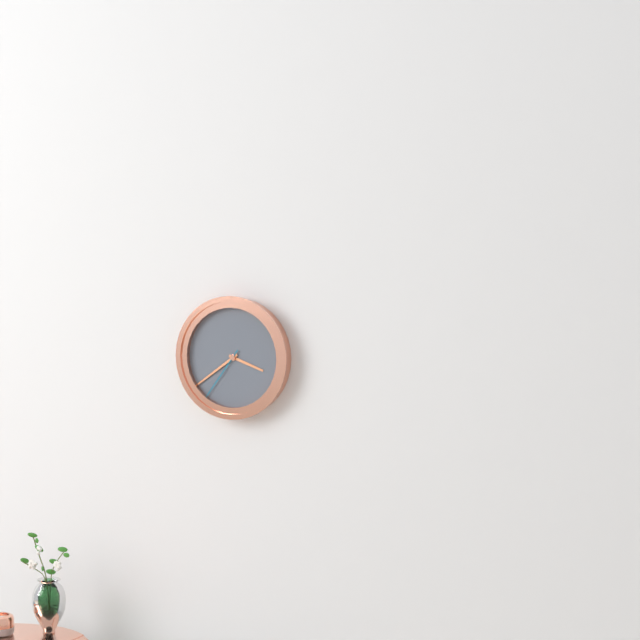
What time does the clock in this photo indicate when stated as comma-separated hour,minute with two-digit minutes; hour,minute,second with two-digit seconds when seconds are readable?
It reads 3,39,36
